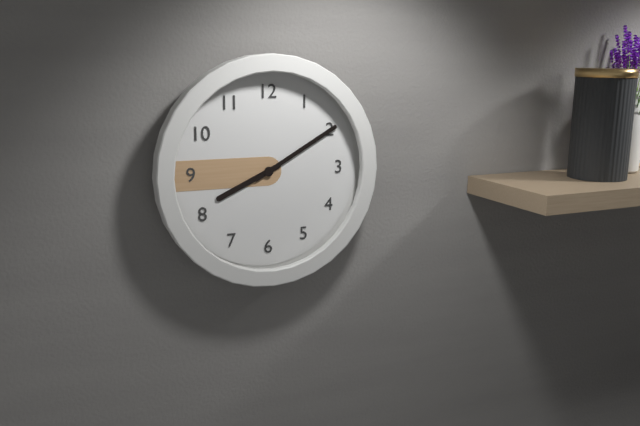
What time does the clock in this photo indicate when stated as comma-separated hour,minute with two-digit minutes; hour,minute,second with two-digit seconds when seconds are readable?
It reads 8,10
